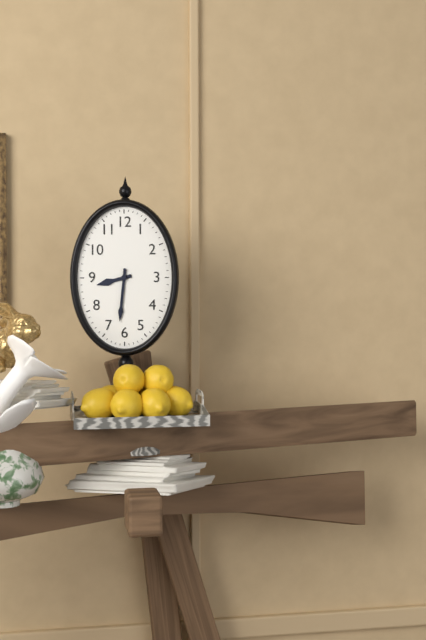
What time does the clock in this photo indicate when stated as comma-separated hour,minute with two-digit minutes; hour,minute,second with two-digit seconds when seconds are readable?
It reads 8,31
